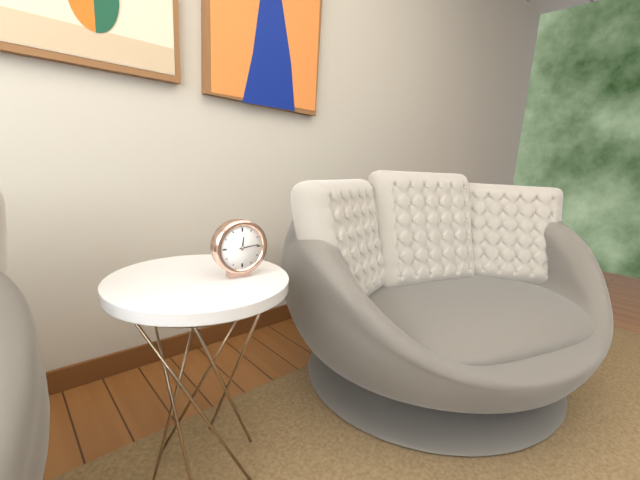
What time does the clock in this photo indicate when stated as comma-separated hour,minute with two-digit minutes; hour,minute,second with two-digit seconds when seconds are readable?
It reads 12,14
